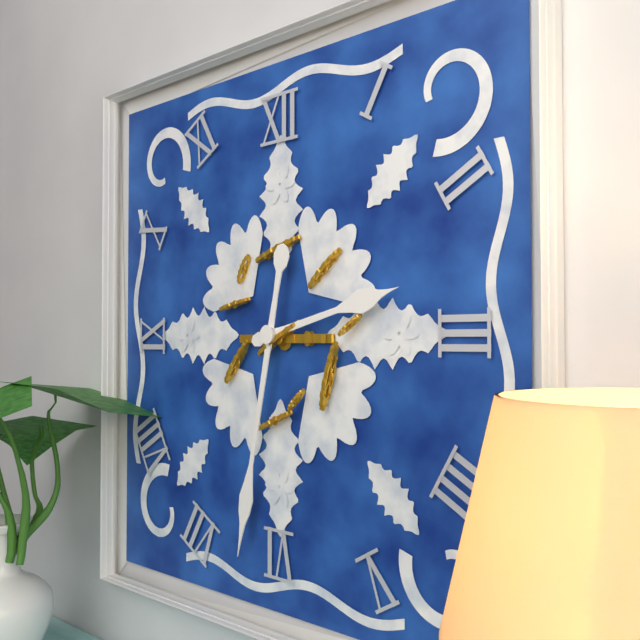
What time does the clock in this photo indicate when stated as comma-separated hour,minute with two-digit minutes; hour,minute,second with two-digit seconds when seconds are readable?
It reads 2,32
